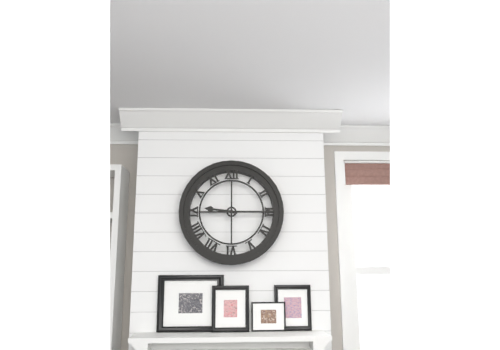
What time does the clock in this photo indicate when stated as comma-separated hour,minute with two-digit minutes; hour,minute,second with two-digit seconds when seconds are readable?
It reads 9,15
